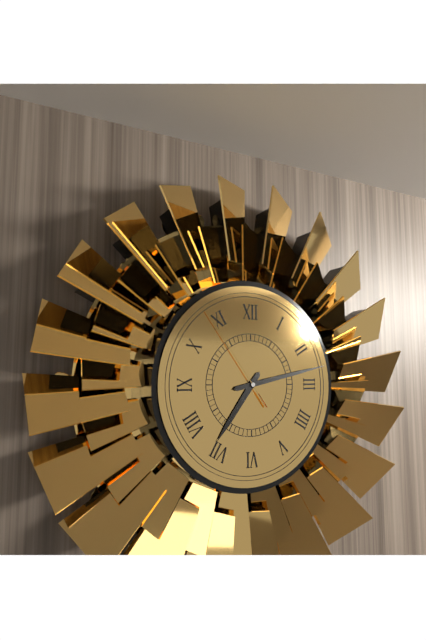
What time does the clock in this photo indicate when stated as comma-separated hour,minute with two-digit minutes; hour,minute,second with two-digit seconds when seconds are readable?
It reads 7,13,54
